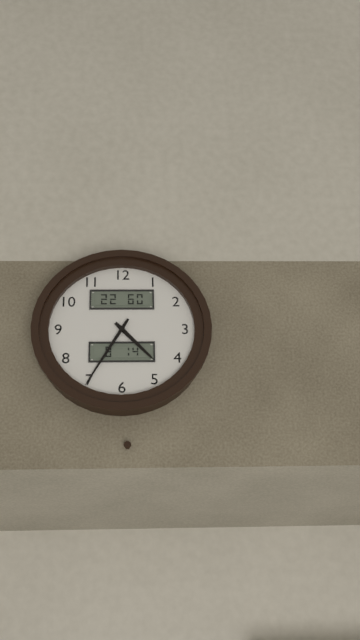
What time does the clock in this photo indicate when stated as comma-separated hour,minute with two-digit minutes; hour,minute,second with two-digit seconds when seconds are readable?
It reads 4,35
